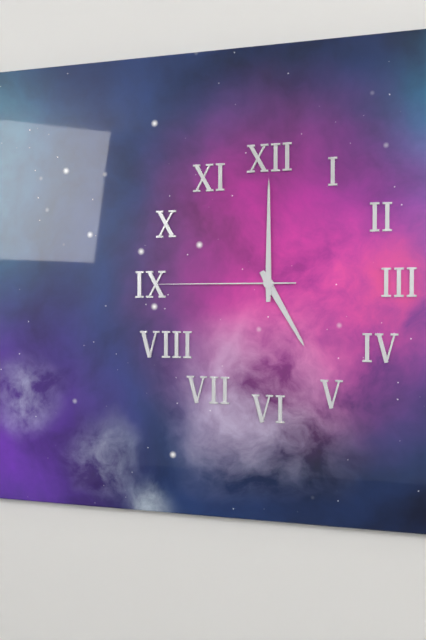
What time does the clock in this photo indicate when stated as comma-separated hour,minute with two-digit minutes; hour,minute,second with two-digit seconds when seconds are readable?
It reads 5,00,45
